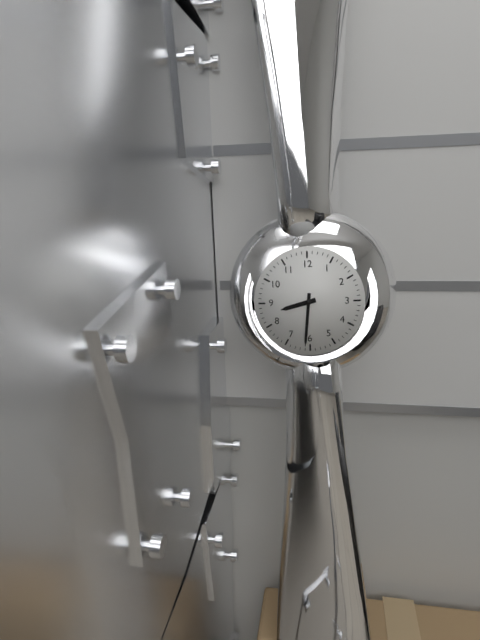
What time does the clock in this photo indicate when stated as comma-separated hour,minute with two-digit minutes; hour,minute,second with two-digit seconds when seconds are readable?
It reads 8,31
